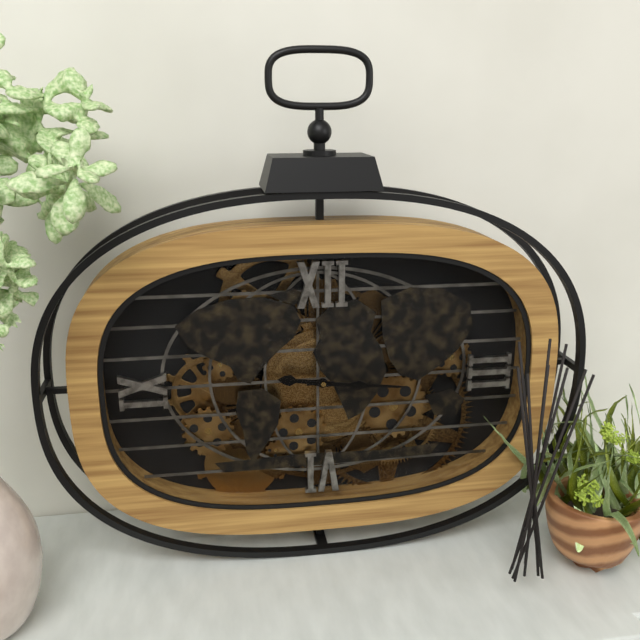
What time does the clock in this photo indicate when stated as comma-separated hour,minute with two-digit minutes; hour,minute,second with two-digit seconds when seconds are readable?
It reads 9,16
